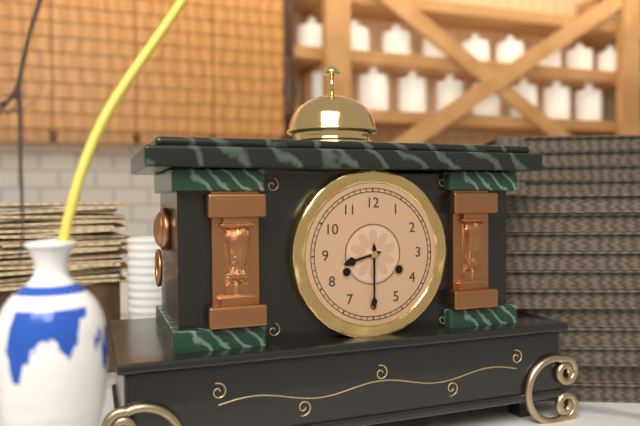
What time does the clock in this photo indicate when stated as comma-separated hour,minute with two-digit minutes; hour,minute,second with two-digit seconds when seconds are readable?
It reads 8,30
